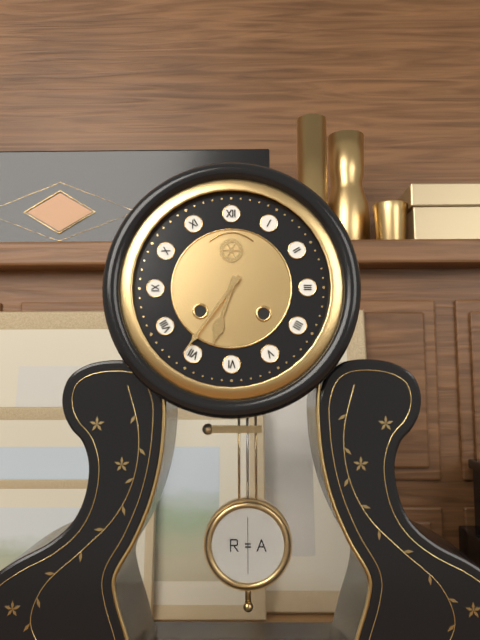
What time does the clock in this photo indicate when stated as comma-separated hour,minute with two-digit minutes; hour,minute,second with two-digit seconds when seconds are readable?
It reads 6,36
